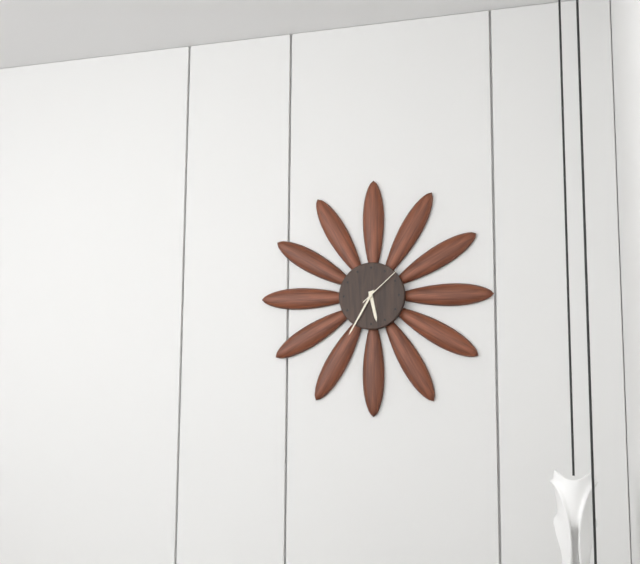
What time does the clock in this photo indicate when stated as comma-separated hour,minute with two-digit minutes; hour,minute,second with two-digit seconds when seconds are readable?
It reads 5,35
